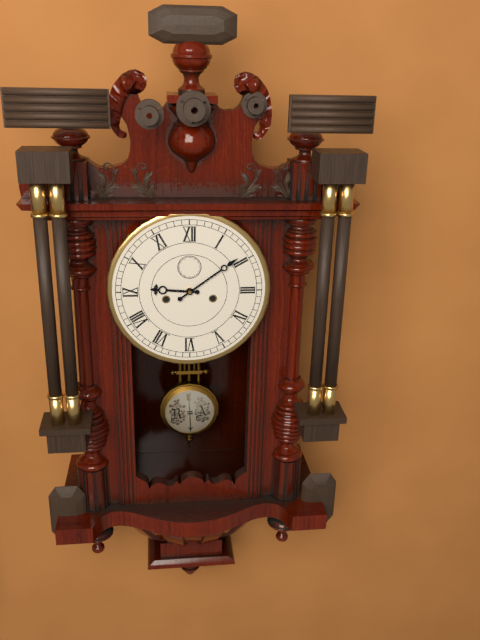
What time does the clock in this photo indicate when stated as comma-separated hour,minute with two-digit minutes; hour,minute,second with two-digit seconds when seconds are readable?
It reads 9,09
